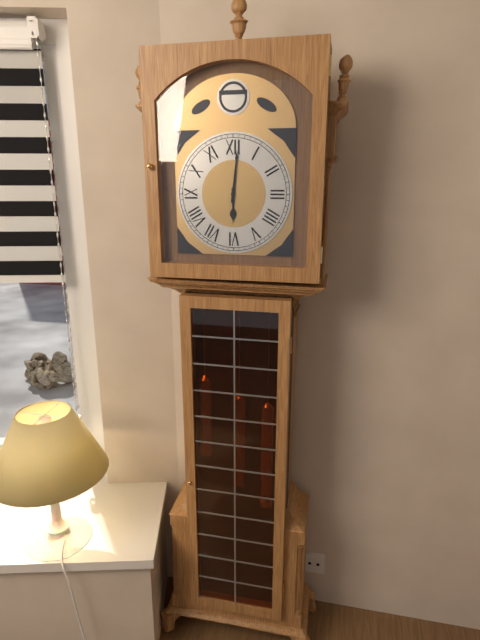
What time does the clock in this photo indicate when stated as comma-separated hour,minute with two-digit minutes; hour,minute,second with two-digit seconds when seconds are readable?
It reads 6,01
